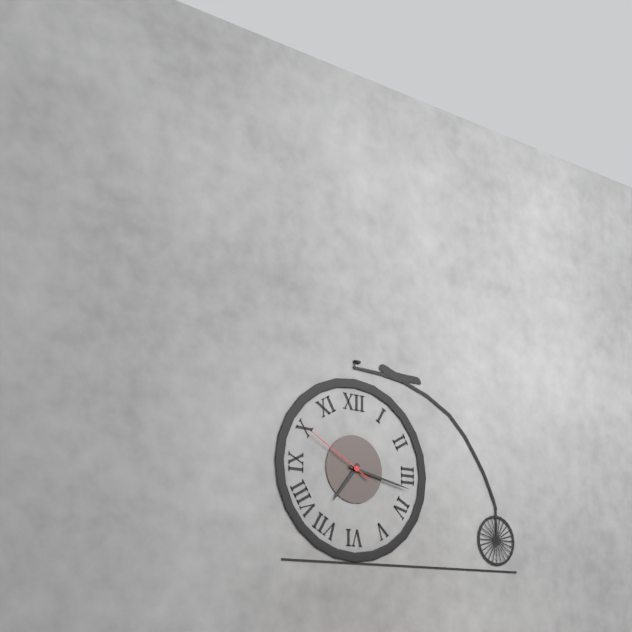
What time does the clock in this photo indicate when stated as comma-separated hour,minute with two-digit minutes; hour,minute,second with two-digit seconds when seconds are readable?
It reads 7,17,50
